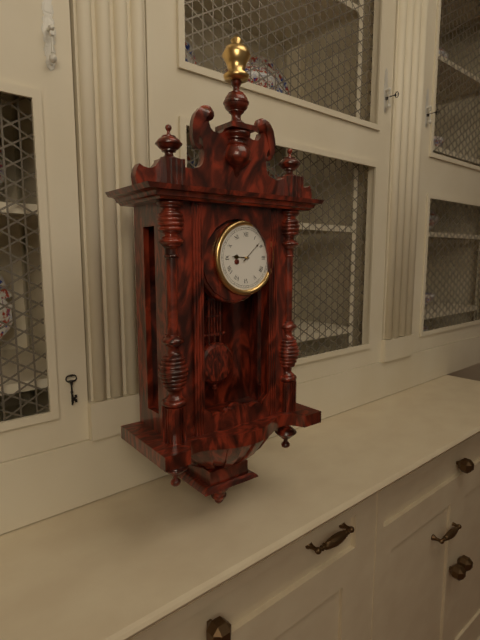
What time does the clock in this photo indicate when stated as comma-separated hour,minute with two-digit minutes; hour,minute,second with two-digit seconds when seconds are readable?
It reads 9,08
